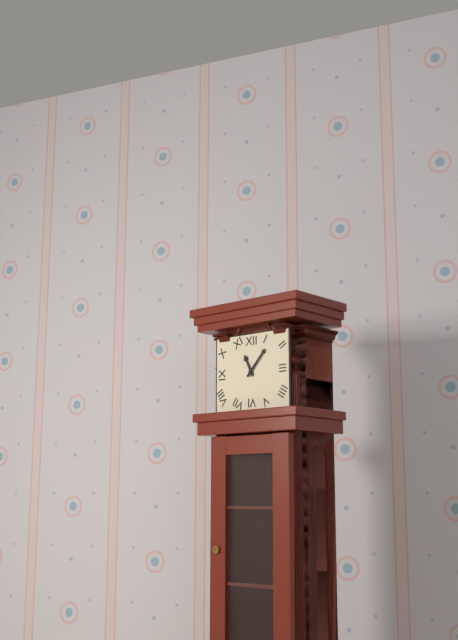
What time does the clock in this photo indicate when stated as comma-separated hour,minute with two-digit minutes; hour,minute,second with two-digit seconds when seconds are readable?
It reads 11,07
